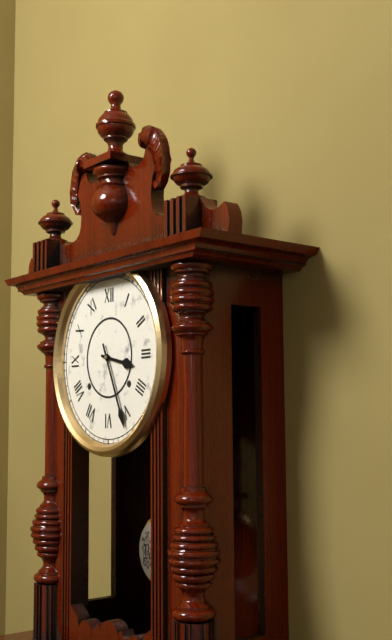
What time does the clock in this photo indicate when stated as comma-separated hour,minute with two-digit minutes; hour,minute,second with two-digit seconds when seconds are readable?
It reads 3,26
